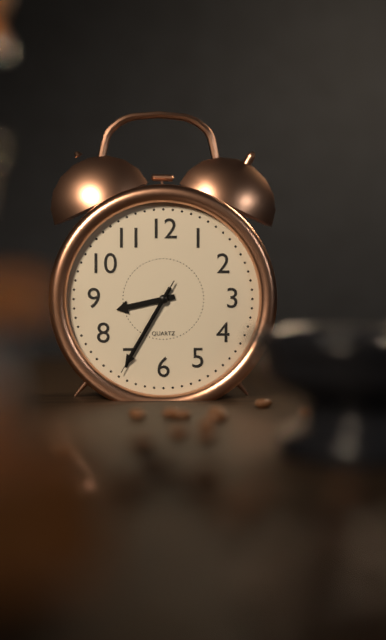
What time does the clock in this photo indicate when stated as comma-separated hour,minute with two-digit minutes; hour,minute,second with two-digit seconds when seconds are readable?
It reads 8,35,35
